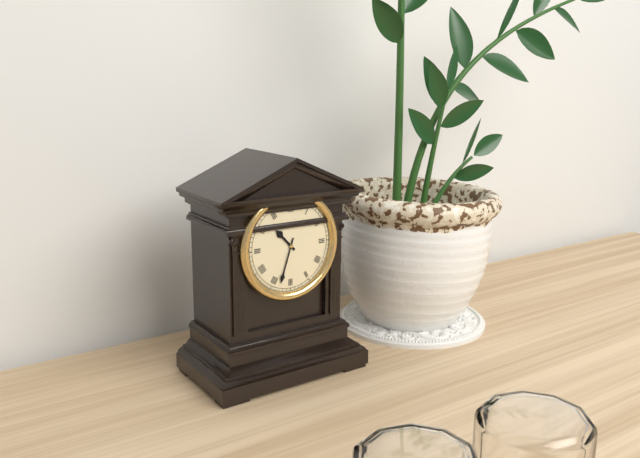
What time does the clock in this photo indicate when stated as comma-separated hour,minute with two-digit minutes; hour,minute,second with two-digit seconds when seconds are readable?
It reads 10,33
